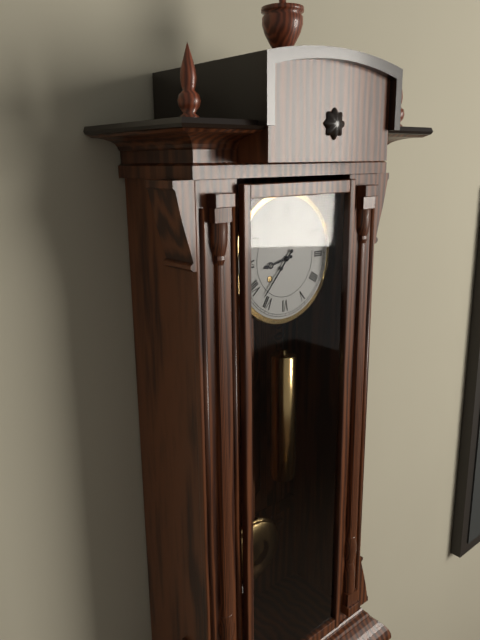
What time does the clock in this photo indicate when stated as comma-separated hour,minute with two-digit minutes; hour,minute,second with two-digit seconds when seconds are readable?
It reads 8,37
